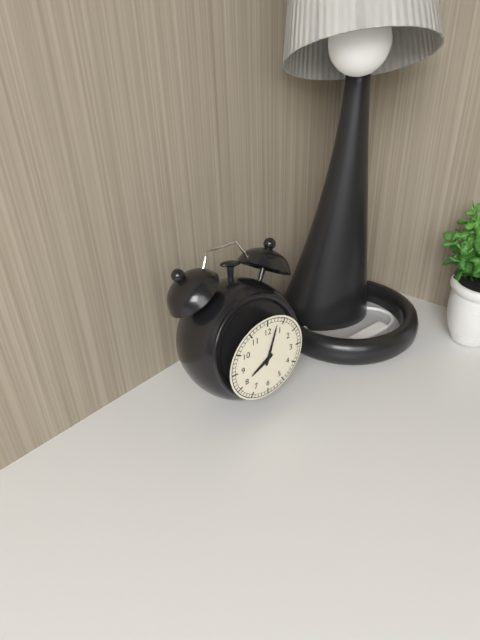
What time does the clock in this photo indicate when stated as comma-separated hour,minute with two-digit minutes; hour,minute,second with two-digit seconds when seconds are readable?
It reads 8,03
